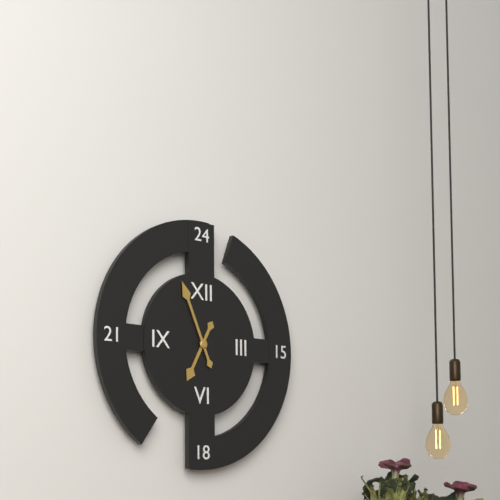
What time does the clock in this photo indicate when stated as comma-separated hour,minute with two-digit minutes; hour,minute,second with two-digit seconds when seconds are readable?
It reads 6,56
